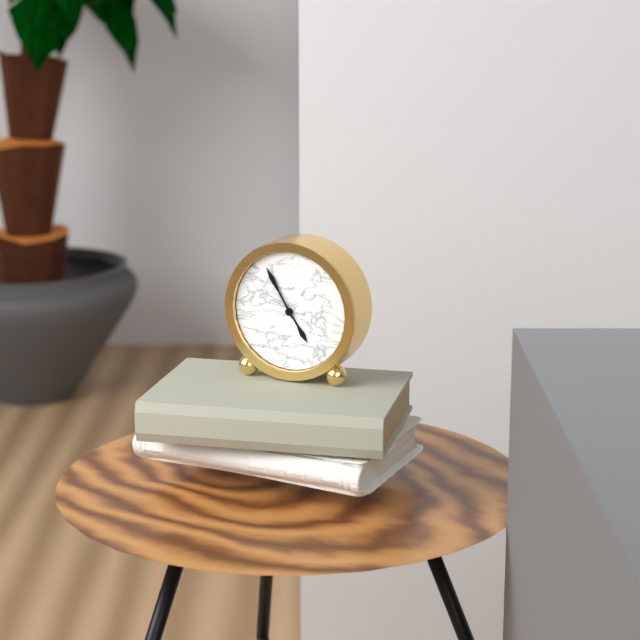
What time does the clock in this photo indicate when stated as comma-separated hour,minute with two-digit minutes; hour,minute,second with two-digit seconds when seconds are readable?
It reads 4,55
